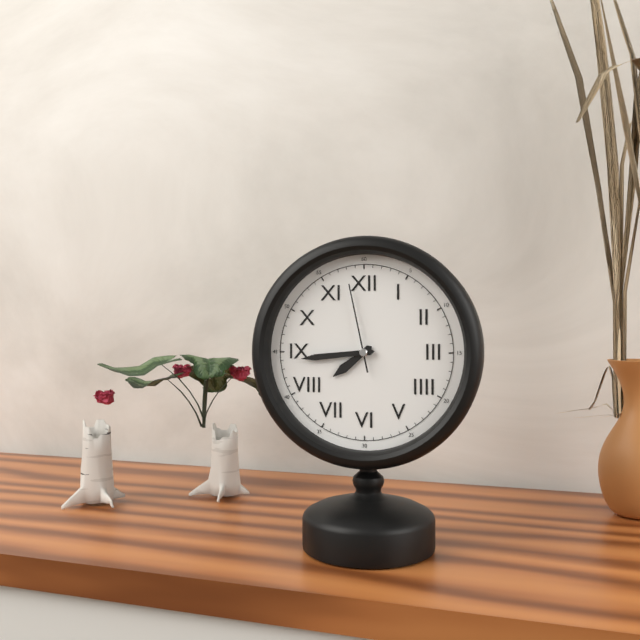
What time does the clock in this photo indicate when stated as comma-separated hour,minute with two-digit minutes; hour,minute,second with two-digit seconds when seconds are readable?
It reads 7,44,58
